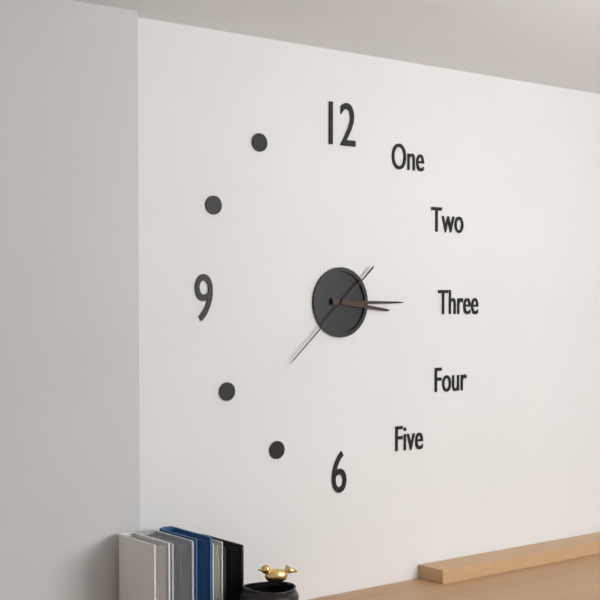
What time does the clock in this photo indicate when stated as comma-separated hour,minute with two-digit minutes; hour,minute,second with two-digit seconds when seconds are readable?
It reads 3,15,38
